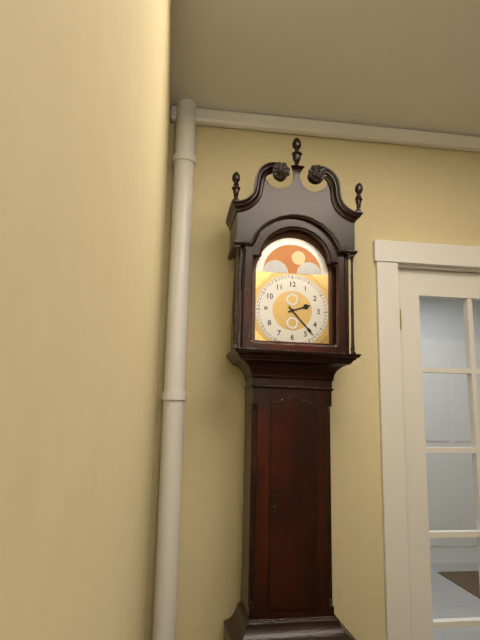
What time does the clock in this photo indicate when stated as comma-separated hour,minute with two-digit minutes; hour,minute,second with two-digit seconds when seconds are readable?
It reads 2,23
